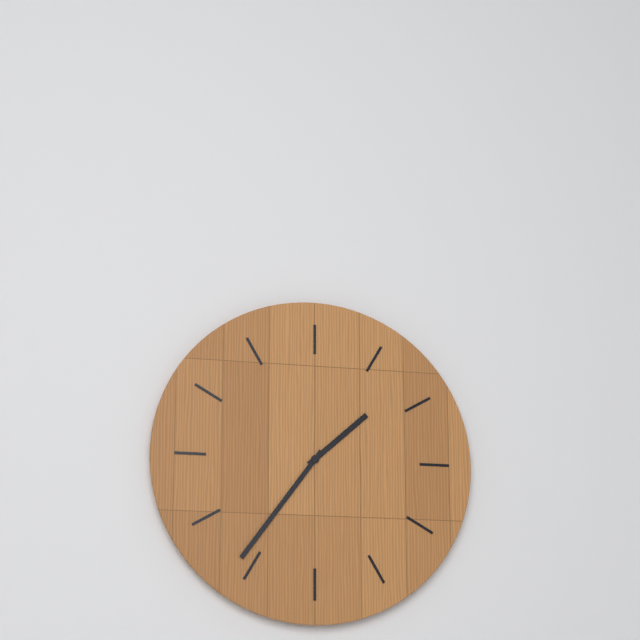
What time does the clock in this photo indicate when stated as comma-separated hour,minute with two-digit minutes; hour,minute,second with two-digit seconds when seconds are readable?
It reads 1,36
